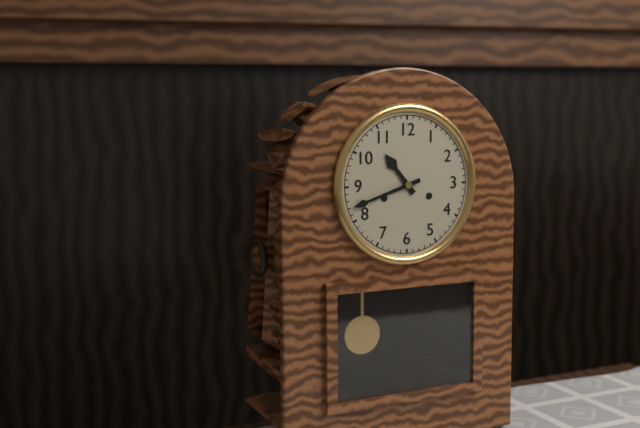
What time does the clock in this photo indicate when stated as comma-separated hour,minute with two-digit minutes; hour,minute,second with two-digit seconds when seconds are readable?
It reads 10,42
